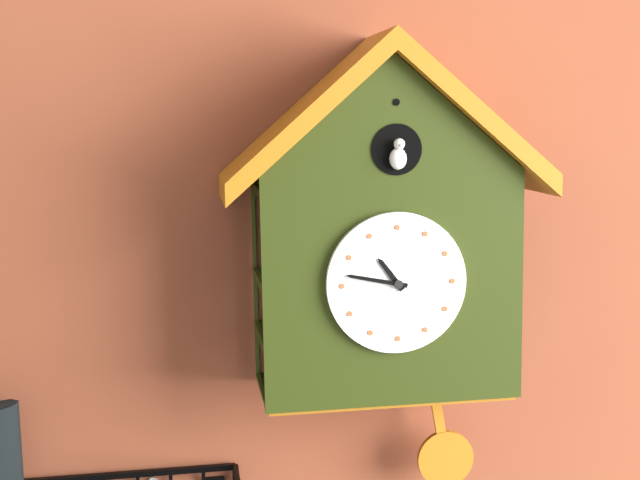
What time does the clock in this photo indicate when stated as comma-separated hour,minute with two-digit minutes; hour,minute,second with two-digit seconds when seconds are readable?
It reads 10,47
